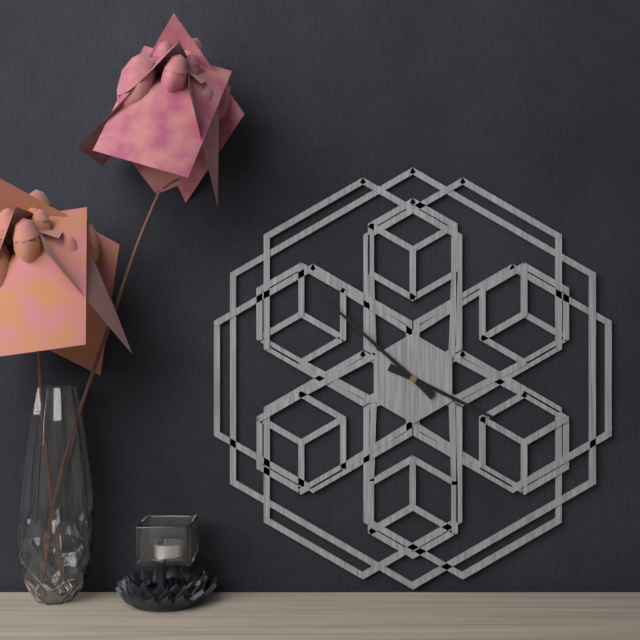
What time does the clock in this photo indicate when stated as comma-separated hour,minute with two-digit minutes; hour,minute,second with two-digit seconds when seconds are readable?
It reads 3,52
